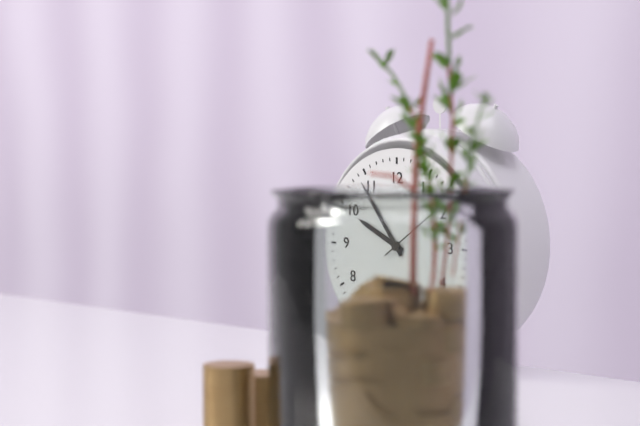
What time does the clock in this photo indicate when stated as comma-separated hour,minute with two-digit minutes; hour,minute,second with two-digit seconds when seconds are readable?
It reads 9,54
